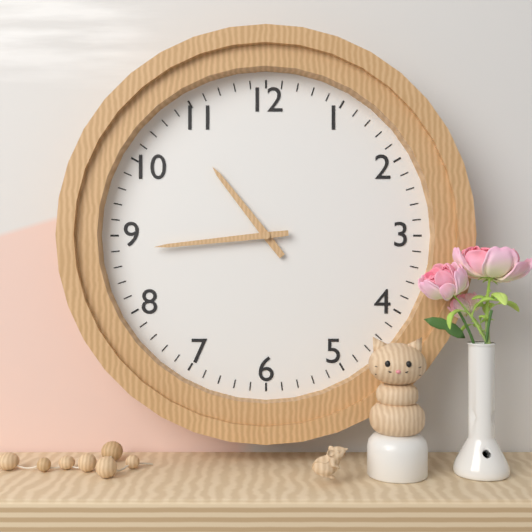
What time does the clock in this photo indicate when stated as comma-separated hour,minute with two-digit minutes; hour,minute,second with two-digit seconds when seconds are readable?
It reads 10,44
